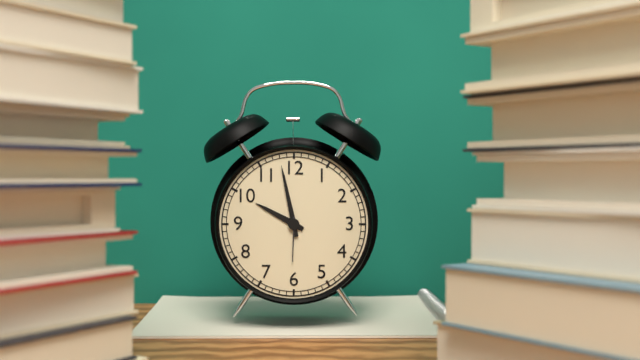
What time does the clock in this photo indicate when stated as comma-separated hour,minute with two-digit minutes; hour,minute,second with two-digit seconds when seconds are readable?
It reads 9,58
